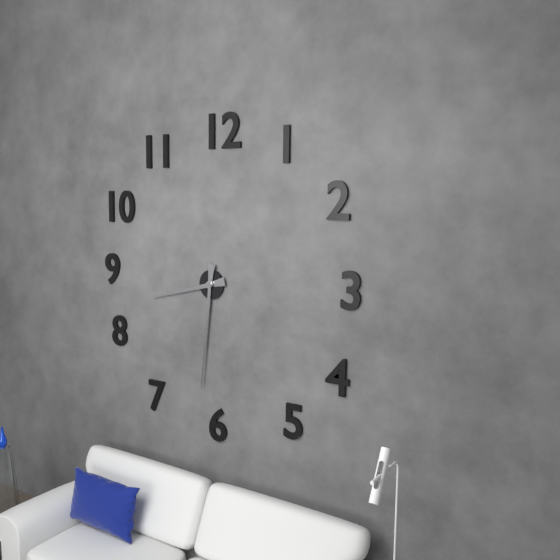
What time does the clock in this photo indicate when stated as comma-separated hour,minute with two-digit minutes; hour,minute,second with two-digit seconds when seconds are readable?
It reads 8,31
